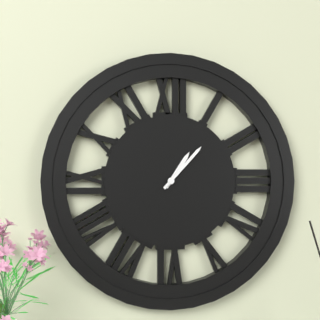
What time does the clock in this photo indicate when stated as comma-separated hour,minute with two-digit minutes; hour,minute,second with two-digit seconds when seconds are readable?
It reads 1,07
